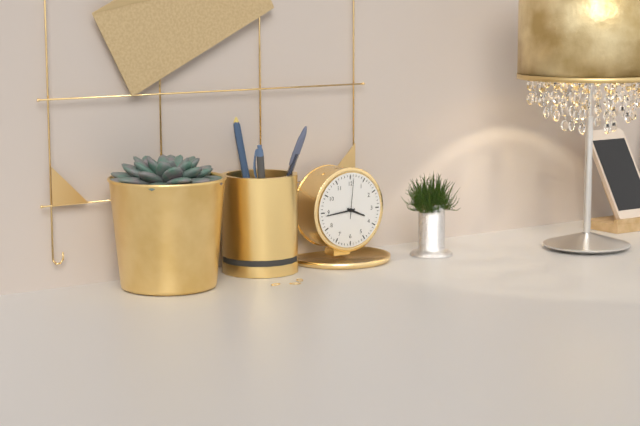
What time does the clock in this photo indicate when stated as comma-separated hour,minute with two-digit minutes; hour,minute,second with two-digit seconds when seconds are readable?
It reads 3,44
